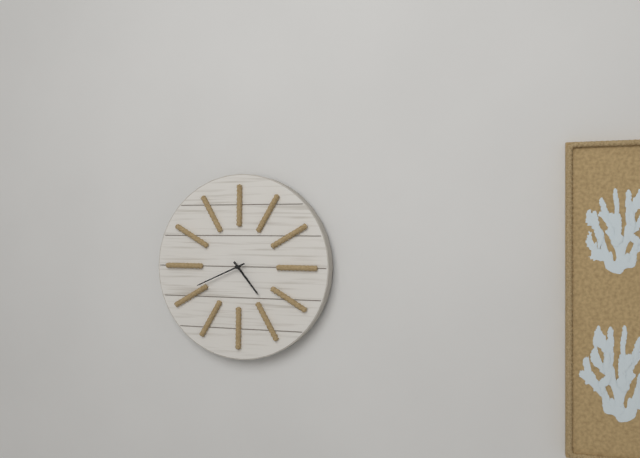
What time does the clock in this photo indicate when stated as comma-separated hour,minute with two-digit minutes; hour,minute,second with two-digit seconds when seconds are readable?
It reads 4,41
